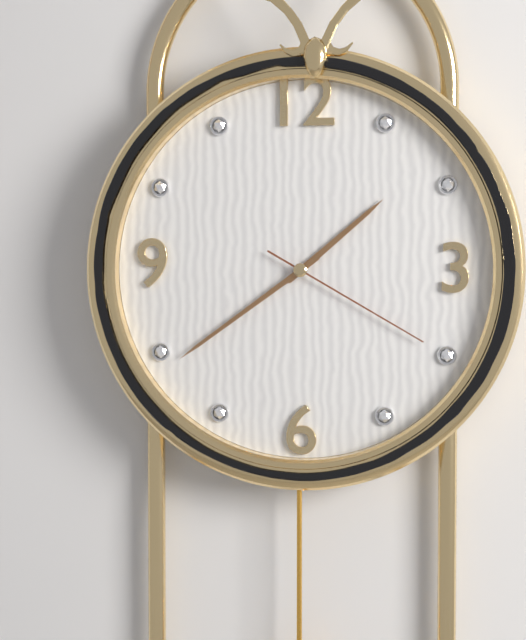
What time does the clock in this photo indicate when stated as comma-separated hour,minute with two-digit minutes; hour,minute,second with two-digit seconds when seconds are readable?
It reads 1,39,20
